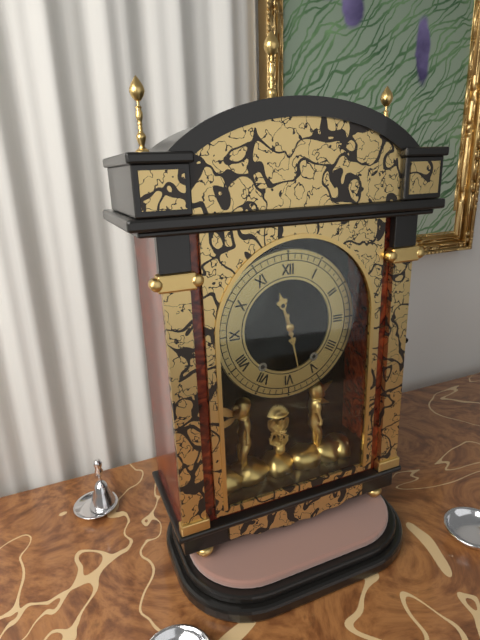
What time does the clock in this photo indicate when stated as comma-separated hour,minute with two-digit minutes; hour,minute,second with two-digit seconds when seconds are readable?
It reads 11,28
